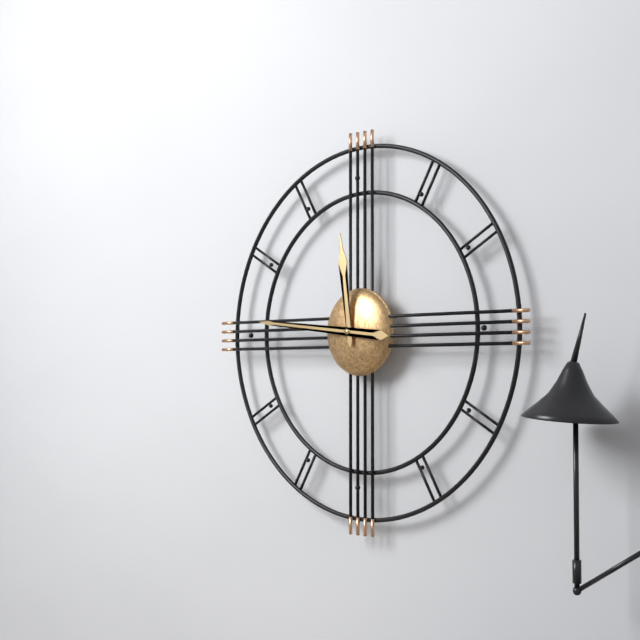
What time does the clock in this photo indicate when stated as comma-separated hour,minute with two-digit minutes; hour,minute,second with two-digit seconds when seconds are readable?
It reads 11,46
